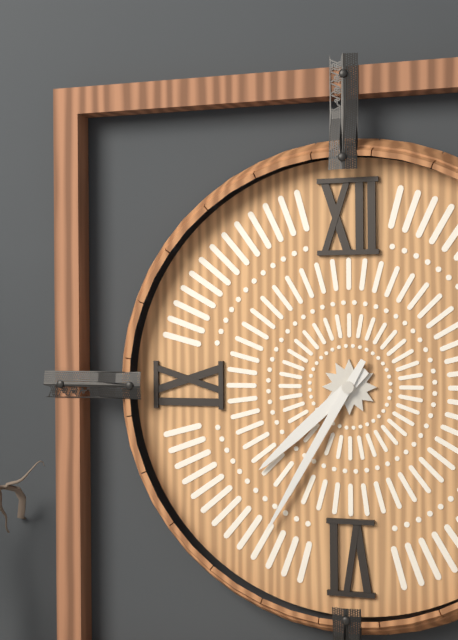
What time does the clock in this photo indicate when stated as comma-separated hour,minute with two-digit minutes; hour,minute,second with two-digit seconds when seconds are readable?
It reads 7,35
